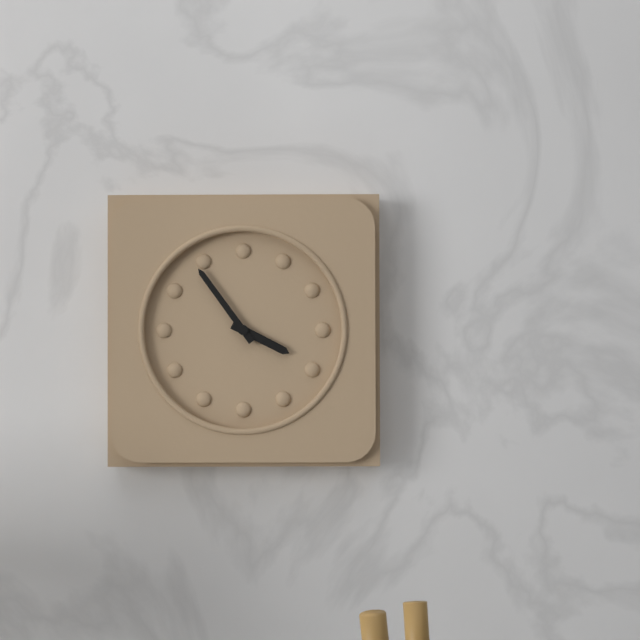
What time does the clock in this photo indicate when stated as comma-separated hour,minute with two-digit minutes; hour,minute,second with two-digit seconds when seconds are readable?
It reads 3,54
